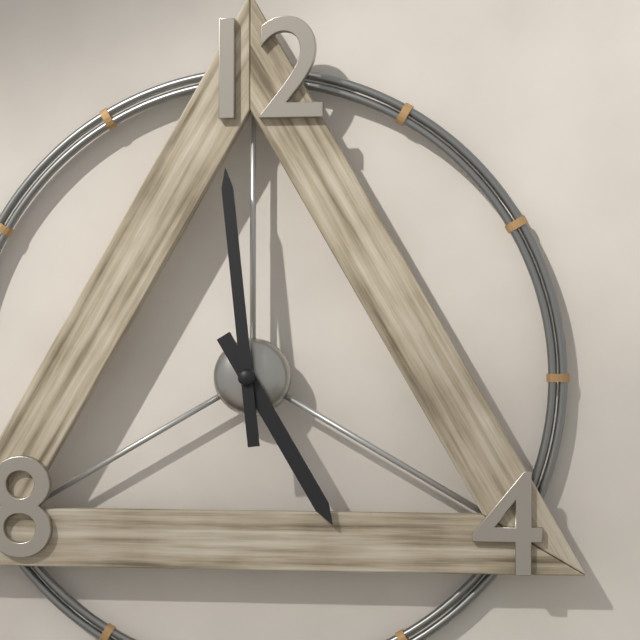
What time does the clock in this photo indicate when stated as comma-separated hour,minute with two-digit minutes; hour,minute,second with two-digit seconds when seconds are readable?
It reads 4,59
